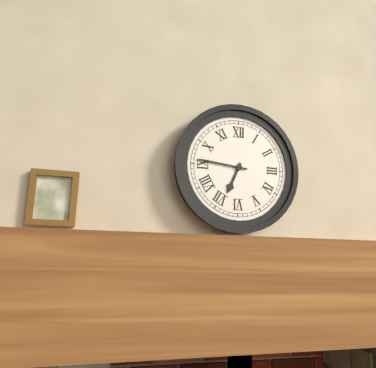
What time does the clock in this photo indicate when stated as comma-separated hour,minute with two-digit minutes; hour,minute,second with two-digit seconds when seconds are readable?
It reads 6,46
